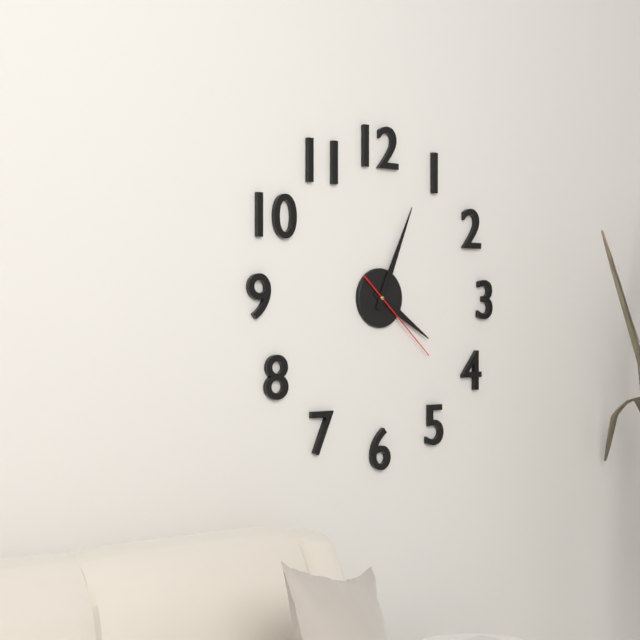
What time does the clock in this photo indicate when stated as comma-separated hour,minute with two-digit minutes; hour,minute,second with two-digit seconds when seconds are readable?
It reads 4,04,22
